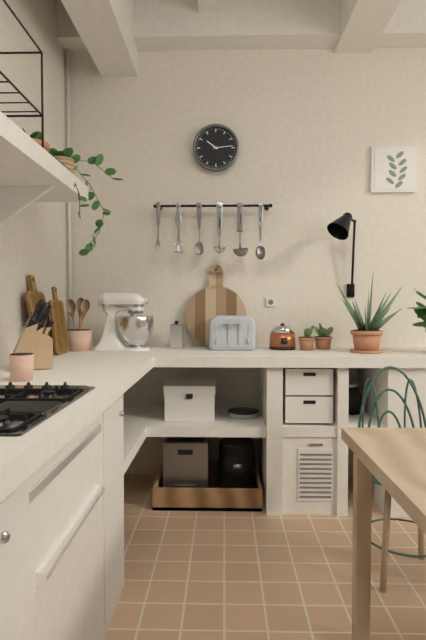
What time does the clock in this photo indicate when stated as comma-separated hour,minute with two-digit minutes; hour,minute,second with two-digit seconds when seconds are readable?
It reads 10,14
